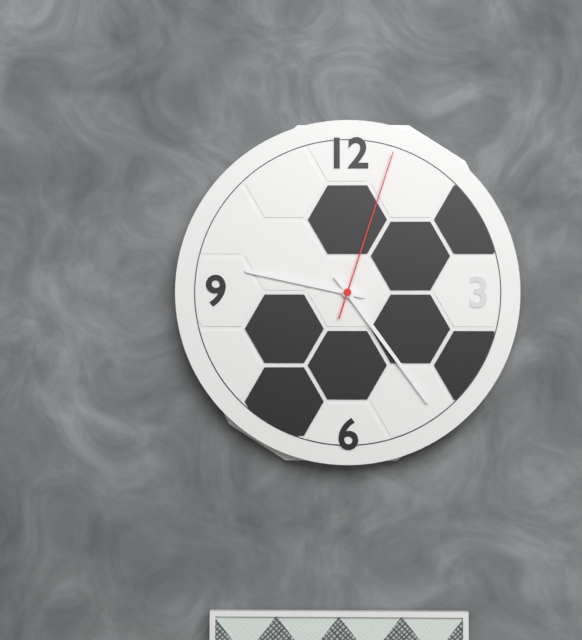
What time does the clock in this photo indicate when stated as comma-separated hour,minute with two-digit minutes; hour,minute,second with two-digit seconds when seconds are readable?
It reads 9,24,03
